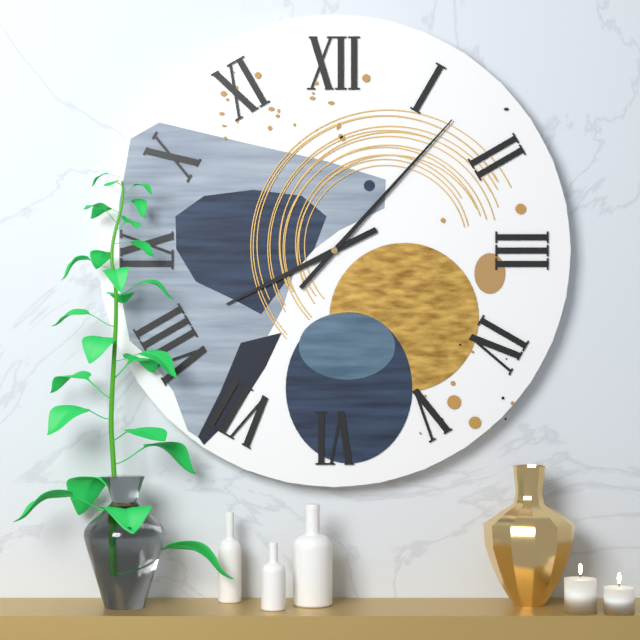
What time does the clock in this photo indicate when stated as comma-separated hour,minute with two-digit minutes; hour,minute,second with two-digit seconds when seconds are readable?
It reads 8,07
